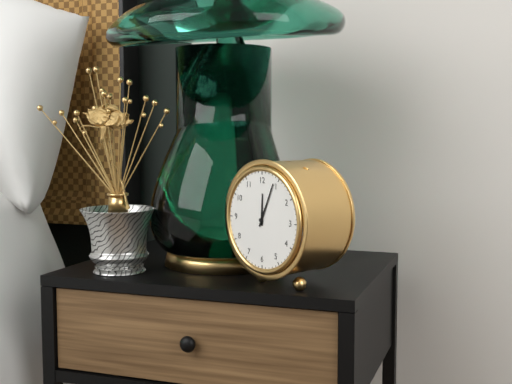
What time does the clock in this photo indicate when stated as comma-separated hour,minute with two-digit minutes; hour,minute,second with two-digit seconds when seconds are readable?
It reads 12,04
